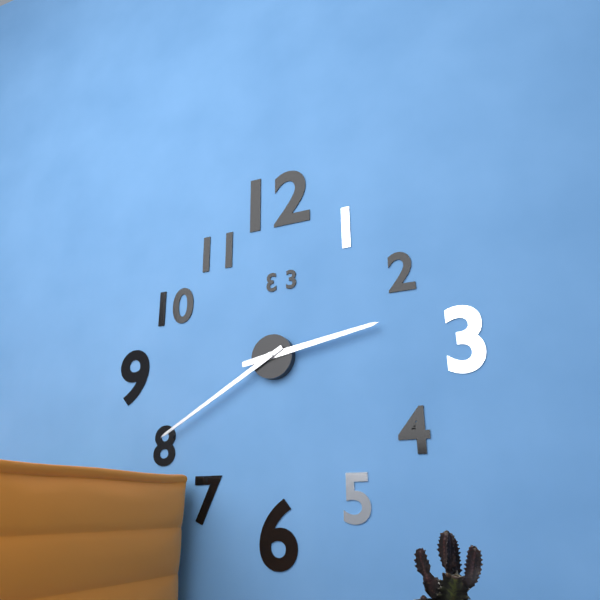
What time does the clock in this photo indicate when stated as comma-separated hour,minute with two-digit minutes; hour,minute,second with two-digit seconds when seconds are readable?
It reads 2,40
